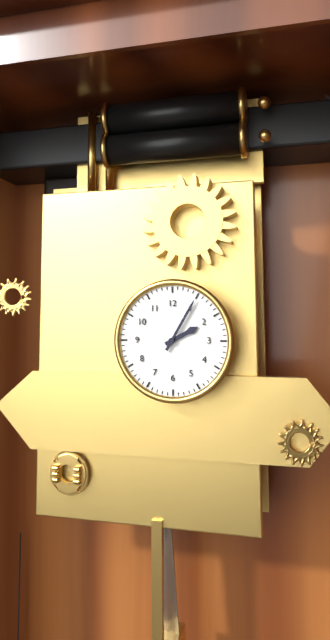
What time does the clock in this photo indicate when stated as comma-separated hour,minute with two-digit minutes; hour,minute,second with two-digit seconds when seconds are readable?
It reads 2,05
